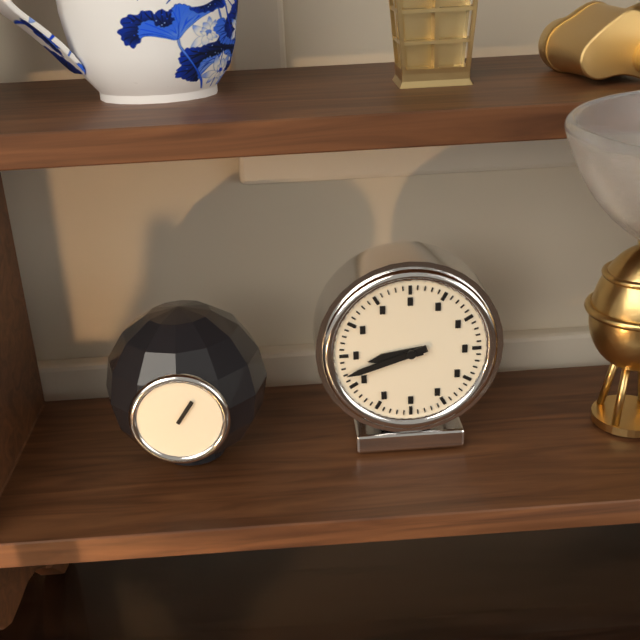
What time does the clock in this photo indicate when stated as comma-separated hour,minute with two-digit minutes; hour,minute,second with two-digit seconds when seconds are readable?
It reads 8,42
